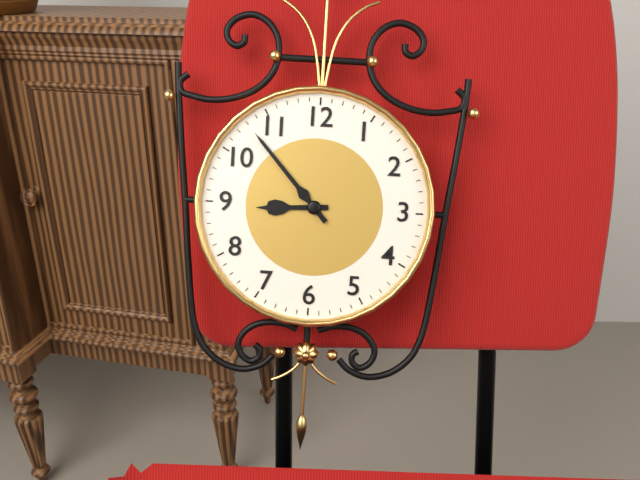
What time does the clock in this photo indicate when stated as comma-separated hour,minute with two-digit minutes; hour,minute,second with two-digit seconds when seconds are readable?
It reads 8,53
